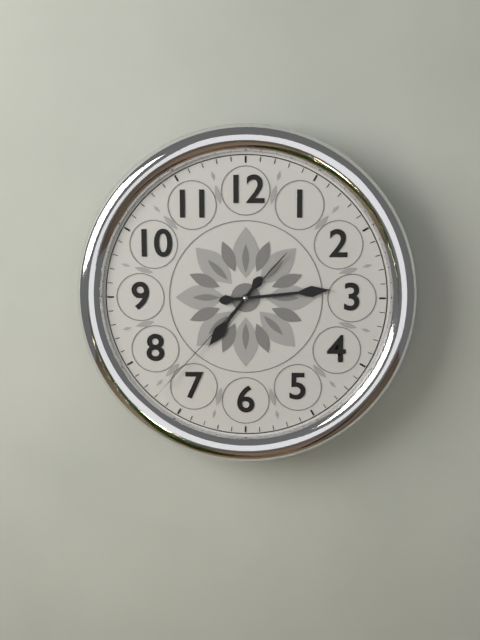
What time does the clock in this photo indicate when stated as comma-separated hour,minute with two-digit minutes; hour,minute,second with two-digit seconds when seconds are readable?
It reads 7,14,37
